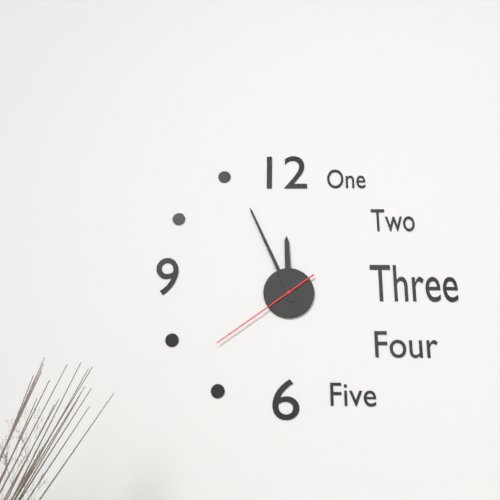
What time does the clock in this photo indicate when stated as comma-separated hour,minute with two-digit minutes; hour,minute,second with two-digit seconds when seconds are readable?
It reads 11,56,39
